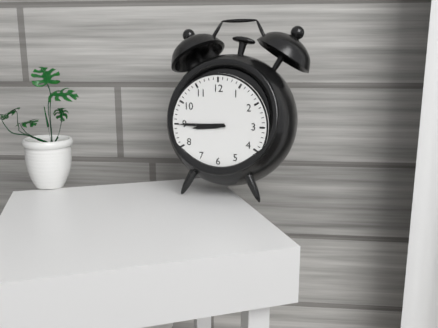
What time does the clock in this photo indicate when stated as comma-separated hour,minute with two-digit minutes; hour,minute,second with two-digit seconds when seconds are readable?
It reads 8,45
